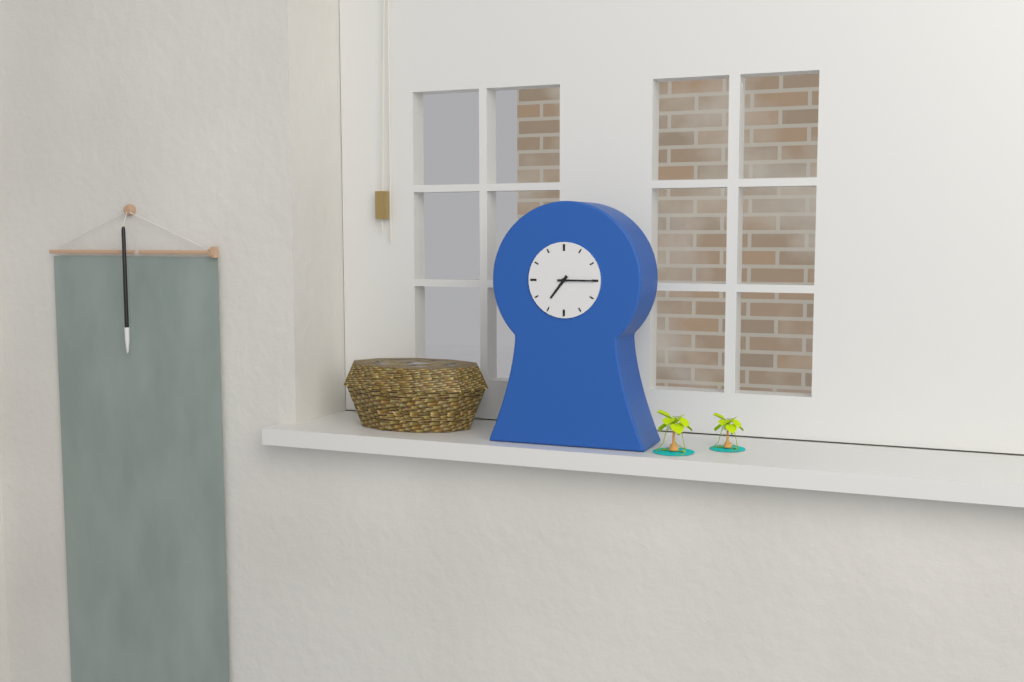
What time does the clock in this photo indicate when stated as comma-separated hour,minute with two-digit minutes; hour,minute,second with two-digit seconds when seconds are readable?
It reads 7,15
